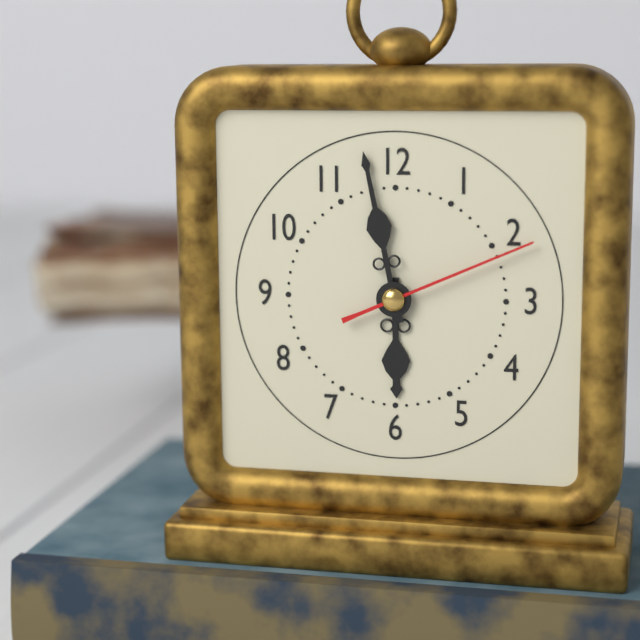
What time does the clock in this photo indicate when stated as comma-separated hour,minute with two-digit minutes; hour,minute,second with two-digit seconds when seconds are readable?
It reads 5,58,11
